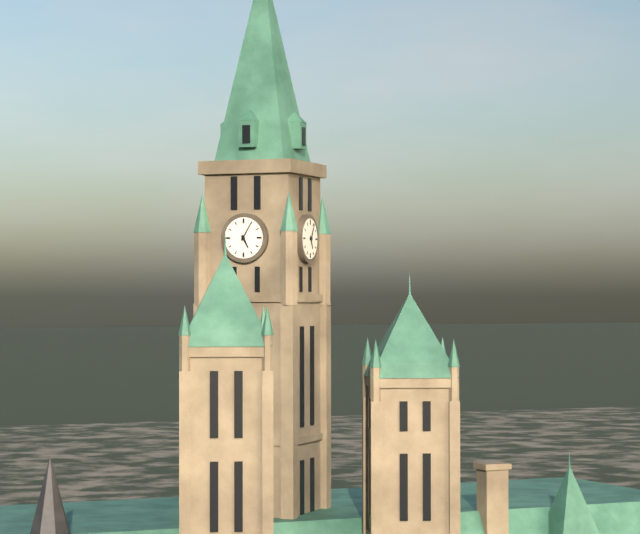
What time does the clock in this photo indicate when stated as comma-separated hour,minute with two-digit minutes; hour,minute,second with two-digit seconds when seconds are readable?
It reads 5,05
